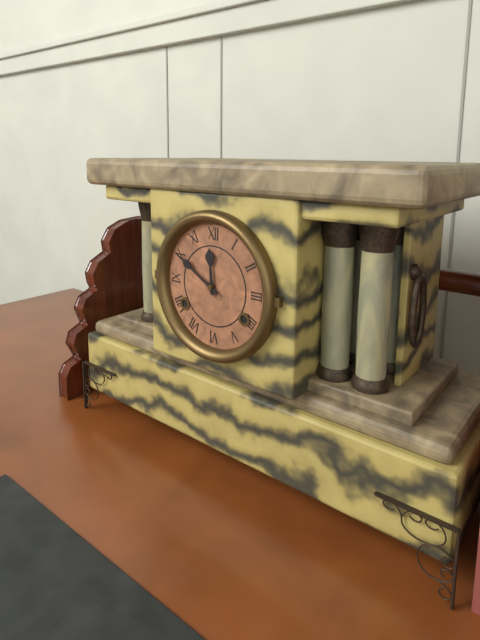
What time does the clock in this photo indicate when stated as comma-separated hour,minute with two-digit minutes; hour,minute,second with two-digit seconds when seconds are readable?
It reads 11,50
